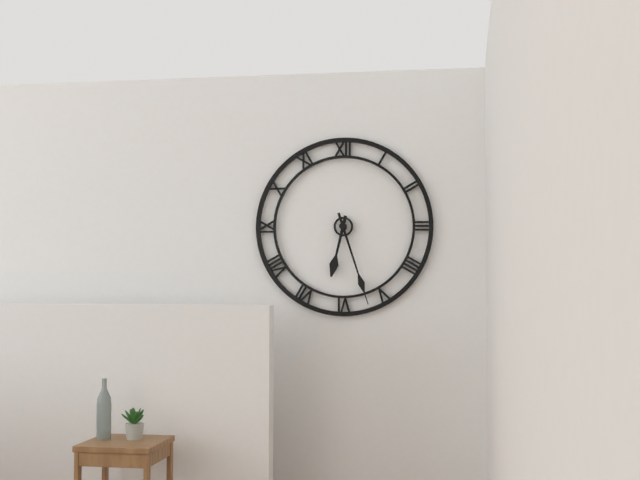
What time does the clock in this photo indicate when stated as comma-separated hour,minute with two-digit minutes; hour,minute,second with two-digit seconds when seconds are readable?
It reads 6,27
